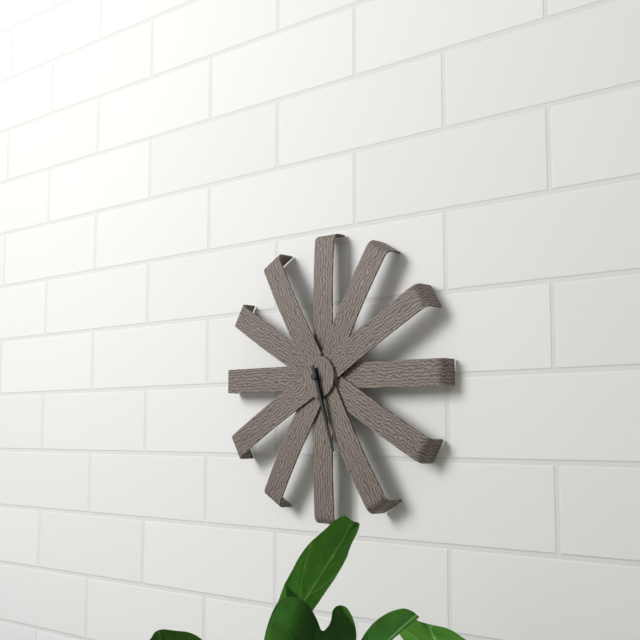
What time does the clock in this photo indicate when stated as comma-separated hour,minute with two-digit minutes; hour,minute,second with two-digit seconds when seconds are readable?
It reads 5,27
